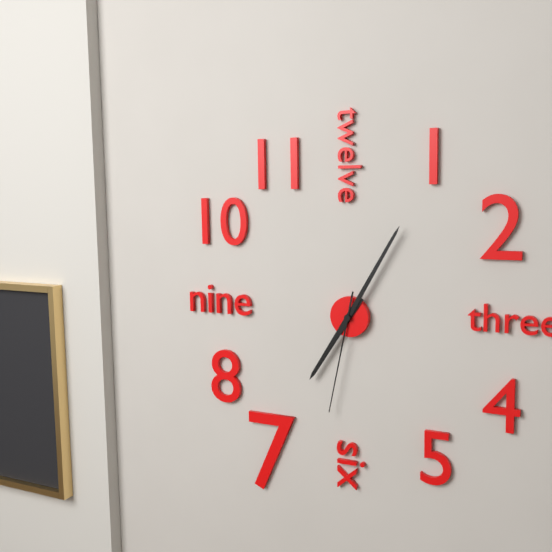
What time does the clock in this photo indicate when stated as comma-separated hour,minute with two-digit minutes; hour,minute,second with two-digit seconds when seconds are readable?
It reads 7,05,32
